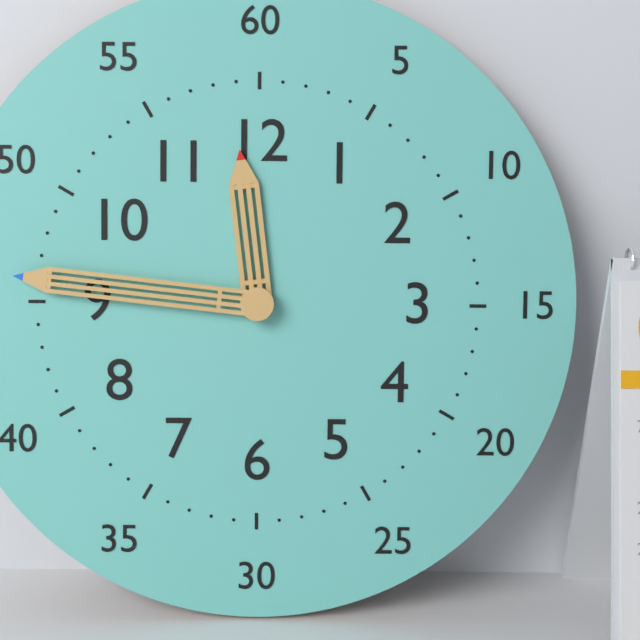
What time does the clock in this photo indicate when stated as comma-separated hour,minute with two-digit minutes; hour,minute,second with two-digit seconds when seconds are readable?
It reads 11,46
